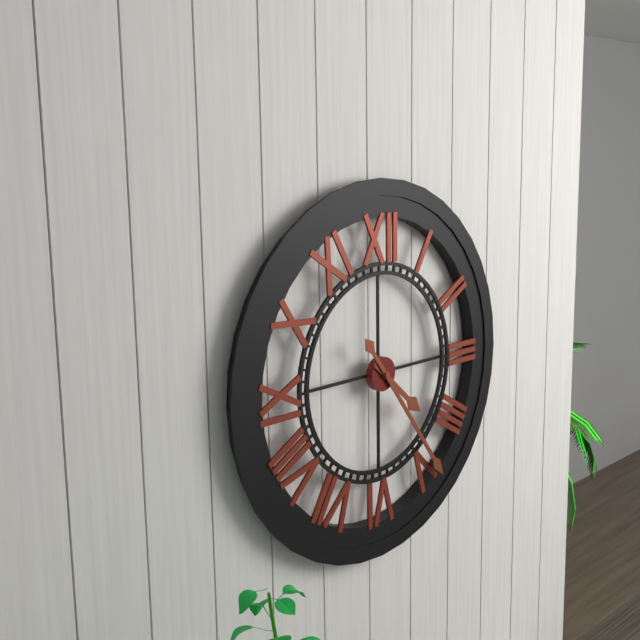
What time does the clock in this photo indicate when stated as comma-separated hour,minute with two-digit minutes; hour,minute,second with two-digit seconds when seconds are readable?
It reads 4,24
